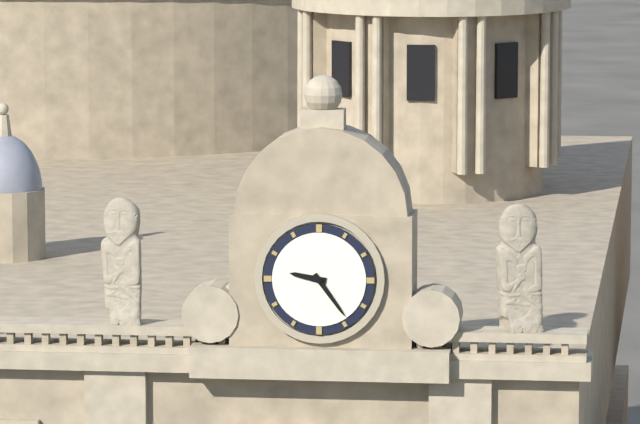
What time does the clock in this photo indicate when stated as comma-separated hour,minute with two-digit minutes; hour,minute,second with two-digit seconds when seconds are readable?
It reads 9,24
